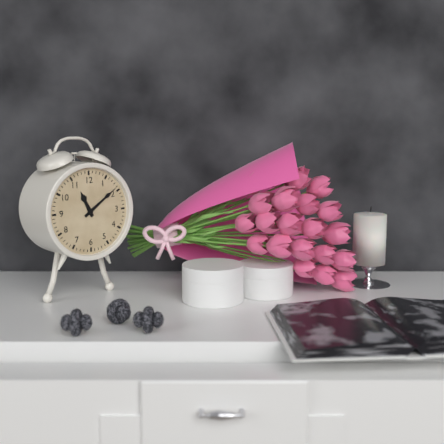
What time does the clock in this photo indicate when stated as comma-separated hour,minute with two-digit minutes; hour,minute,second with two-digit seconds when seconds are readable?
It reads 11,09
